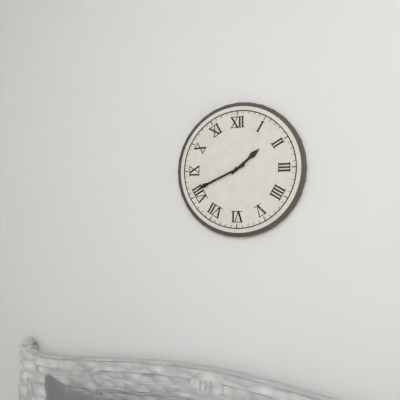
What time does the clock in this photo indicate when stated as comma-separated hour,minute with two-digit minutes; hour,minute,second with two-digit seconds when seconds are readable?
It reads 1,41
